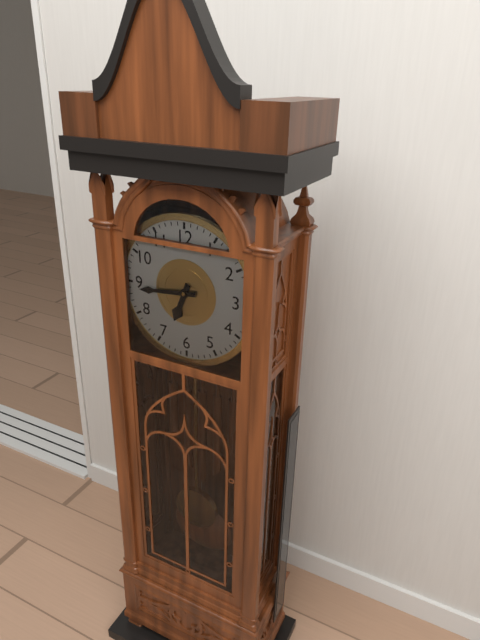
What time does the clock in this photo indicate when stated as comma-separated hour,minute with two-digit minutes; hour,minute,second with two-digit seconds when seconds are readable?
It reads 6,44
